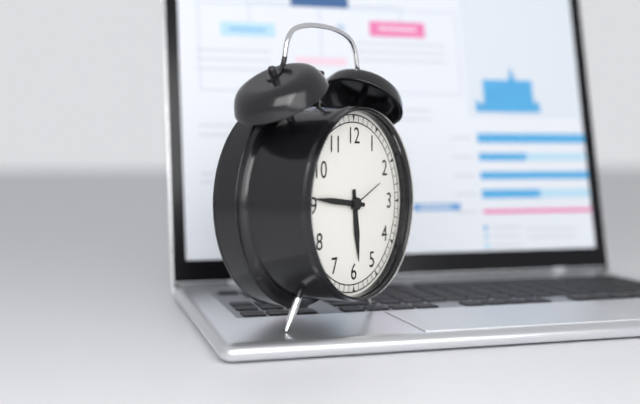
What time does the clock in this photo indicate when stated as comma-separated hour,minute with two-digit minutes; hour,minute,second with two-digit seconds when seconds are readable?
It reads 5,46
